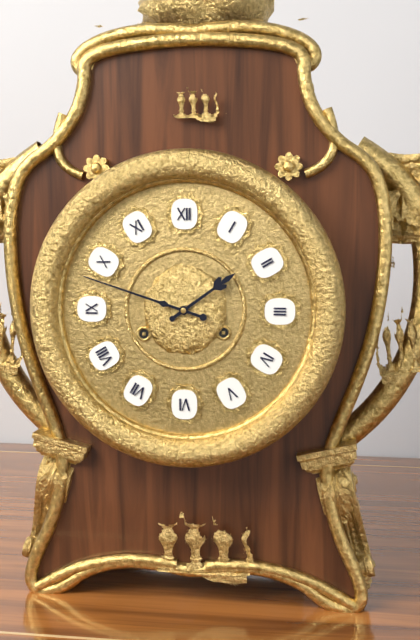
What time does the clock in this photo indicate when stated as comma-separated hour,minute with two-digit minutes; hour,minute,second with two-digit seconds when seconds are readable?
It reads 1,48
